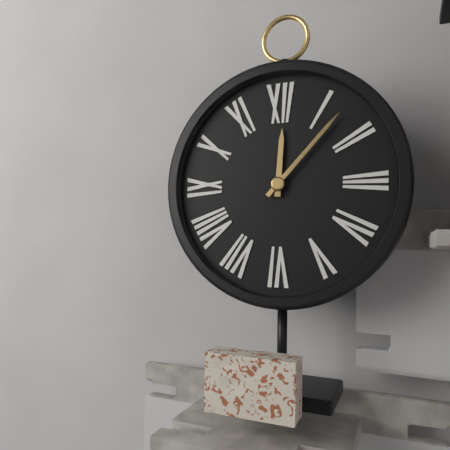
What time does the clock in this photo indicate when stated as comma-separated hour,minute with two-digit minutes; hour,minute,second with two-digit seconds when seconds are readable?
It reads 12,07
